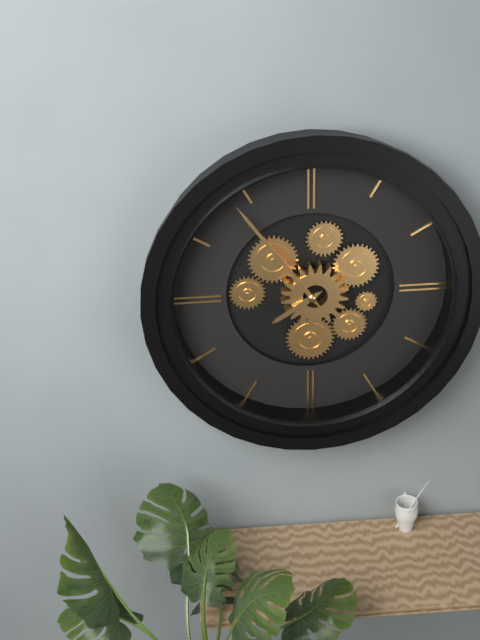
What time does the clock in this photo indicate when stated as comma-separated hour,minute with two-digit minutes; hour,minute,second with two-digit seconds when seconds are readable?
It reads 7,54
